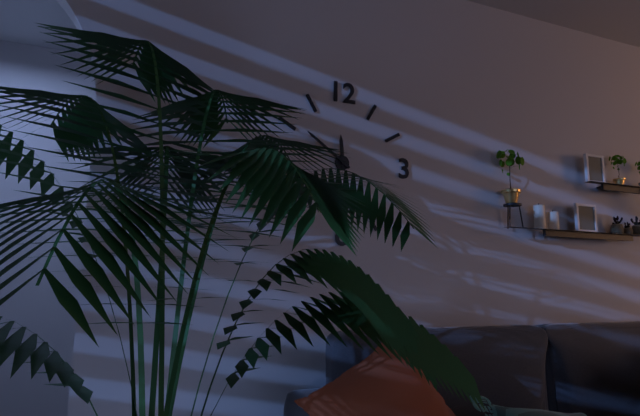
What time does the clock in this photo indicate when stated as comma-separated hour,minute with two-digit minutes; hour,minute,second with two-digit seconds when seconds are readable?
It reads 11,51
